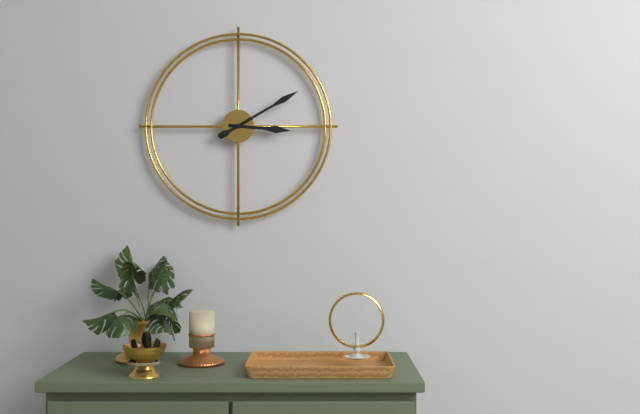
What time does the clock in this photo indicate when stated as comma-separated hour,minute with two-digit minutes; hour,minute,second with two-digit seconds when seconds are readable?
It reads 3,10
